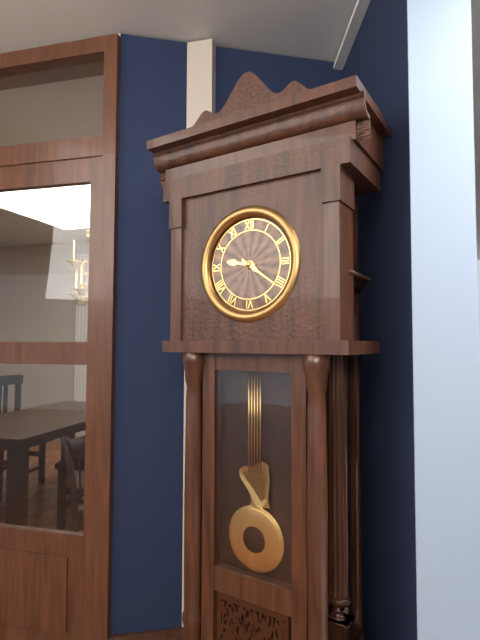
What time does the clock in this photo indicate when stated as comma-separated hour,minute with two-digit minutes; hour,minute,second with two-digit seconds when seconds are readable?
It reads 9,21
